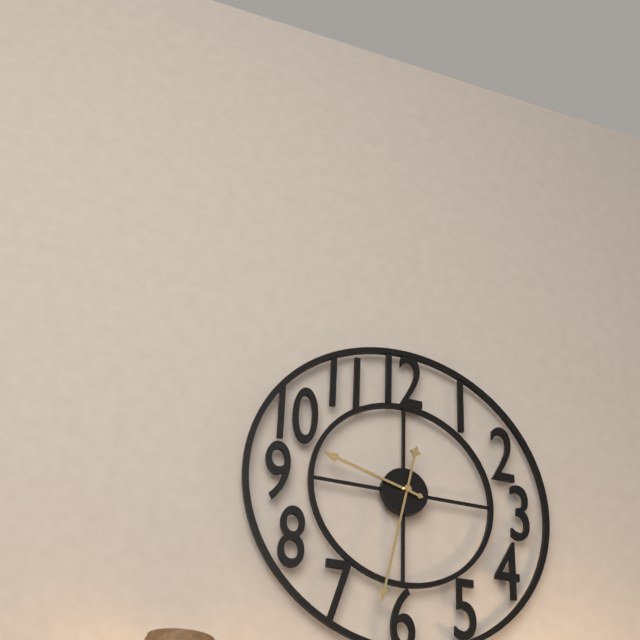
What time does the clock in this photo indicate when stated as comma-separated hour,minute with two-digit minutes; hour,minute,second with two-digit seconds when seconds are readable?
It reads 9,32
